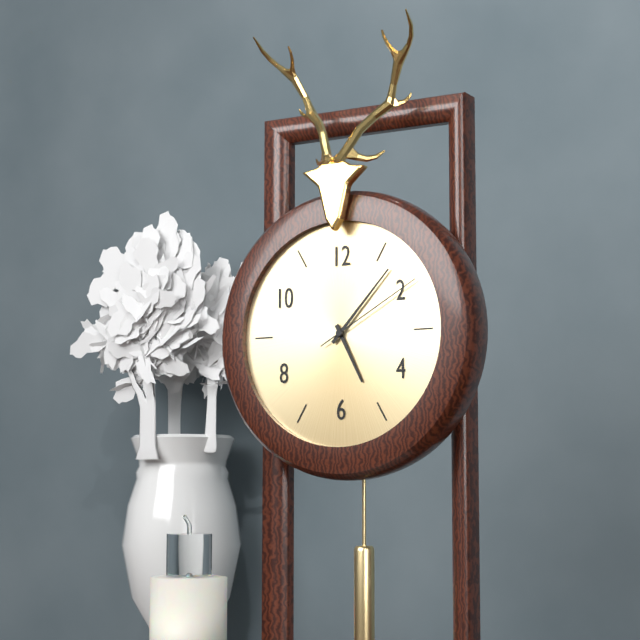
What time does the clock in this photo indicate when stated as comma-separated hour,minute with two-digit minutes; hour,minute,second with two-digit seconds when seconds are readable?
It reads 5,07,10
